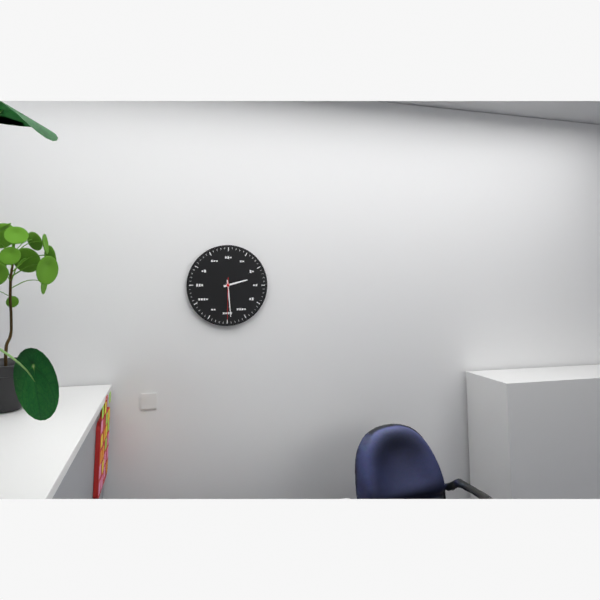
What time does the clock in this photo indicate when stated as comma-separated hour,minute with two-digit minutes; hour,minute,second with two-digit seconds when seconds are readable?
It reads 2,29
